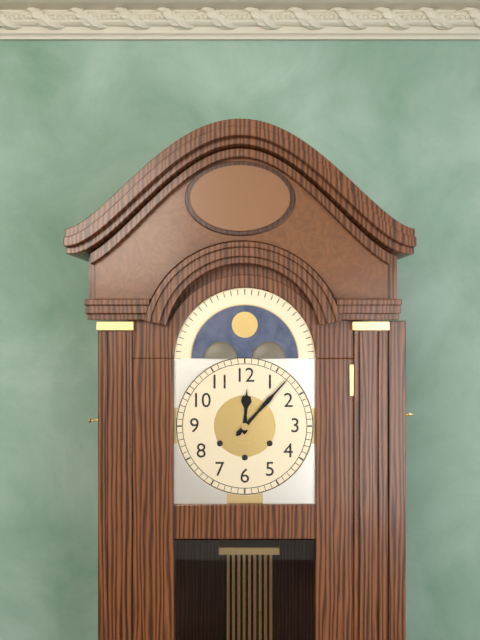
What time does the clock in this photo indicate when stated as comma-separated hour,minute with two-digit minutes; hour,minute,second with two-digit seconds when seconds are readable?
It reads 12,07
